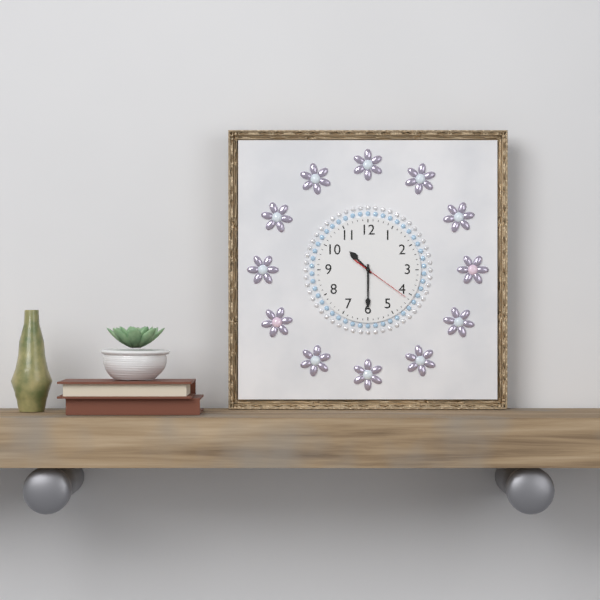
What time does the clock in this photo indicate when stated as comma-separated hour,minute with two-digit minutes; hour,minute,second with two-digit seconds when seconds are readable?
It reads 10,30,21
